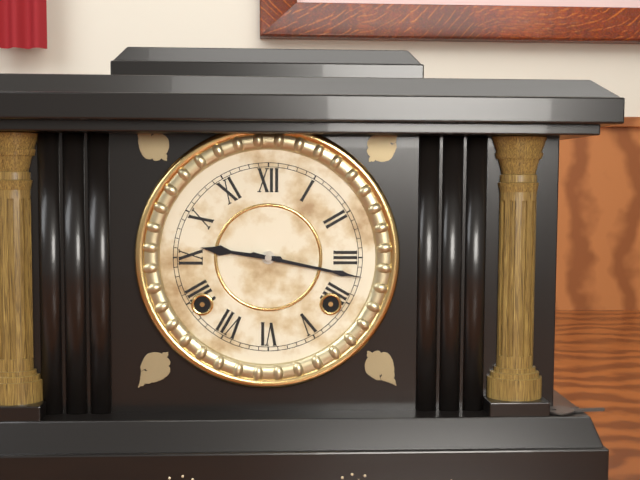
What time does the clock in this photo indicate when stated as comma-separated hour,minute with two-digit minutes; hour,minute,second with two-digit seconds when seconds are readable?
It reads 9,17
